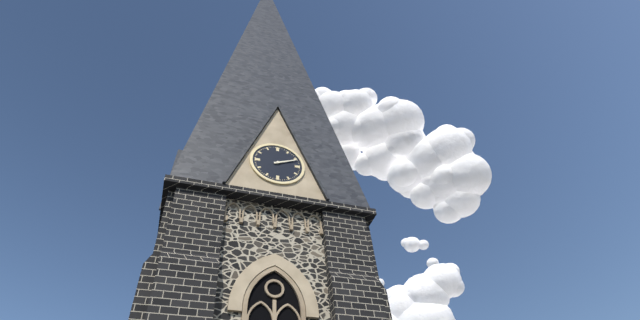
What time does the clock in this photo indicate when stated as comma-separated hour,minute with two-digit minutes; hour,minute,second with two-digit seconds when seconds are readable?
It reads 2,11
